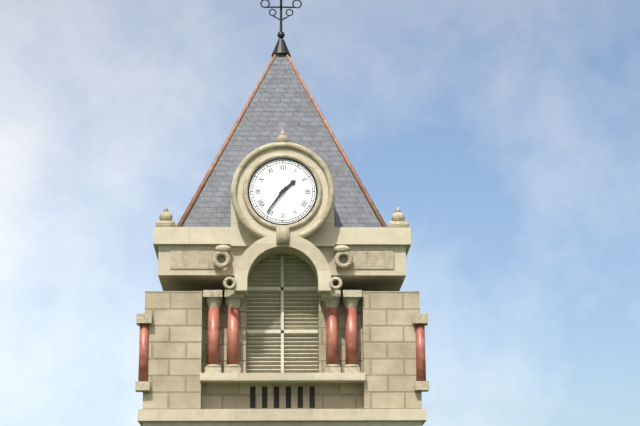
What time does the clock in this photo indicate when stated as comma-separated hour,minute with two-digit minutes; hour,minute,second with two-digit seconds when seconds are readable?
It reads 1,36
